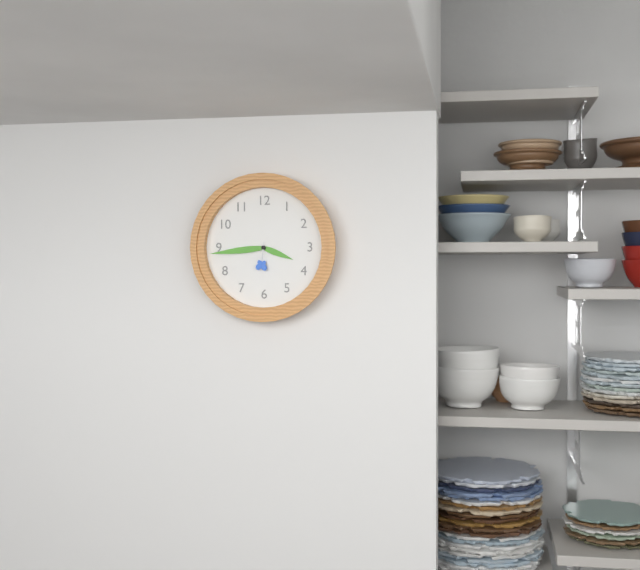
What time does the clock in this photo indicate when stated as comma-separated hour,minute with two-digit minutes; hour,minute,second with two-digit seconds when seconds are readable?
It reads 3,44
